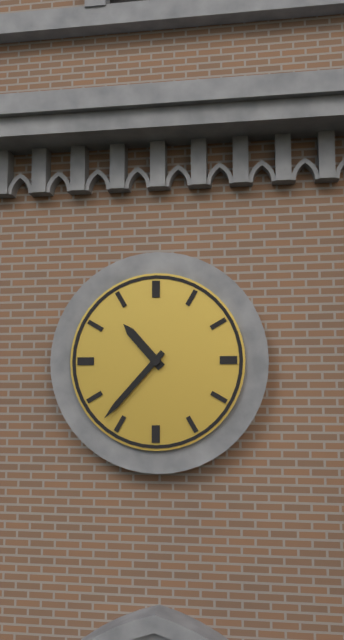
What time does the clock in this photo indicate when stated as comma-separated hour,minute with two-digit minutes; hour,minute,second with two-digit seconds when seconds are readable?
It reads 10,37
